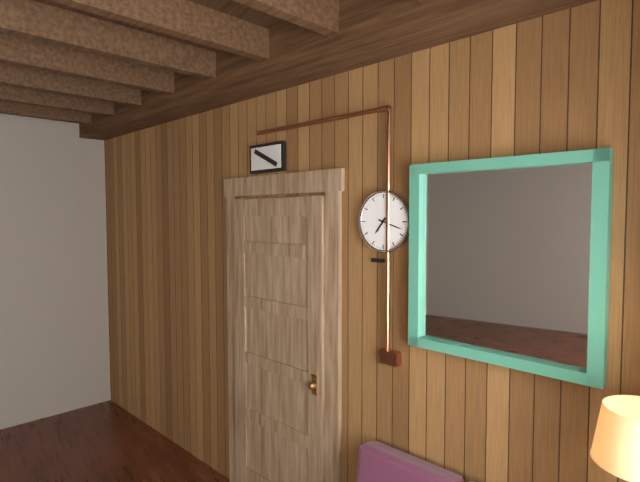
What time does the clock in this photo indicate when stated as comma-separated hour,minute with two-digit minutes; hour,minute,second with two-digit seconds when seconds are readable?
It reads 7,18
